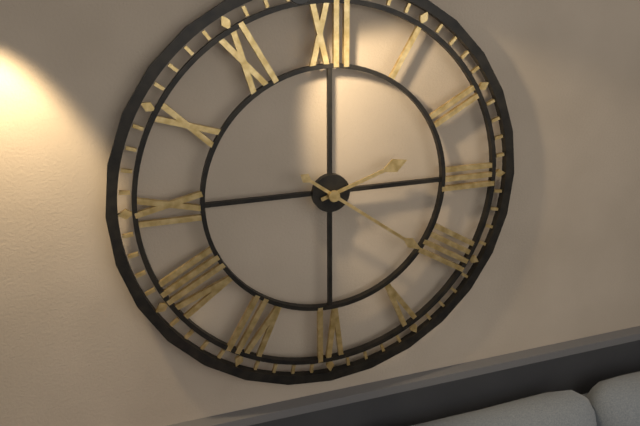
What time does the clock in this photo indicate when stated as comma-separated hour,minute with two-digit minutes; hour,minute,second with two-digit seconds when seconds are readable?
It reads 2,21
